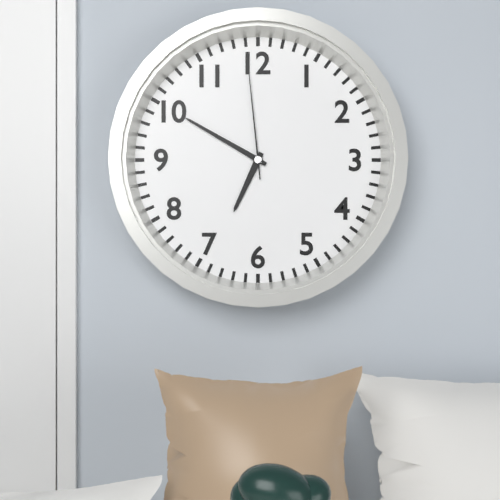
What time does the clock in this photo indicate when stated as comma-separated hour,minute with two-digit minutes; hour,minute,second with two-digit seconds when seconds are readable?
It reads 6,50,59
